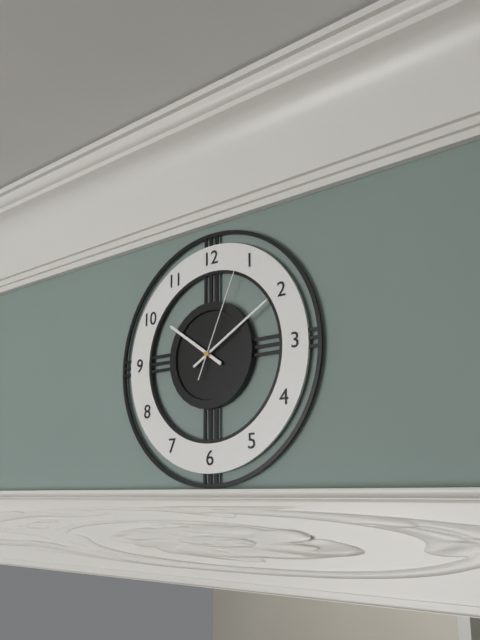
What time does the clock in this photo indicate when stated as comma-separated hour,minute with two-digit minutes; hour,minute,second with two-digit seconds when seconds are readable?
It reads 10,10,04
